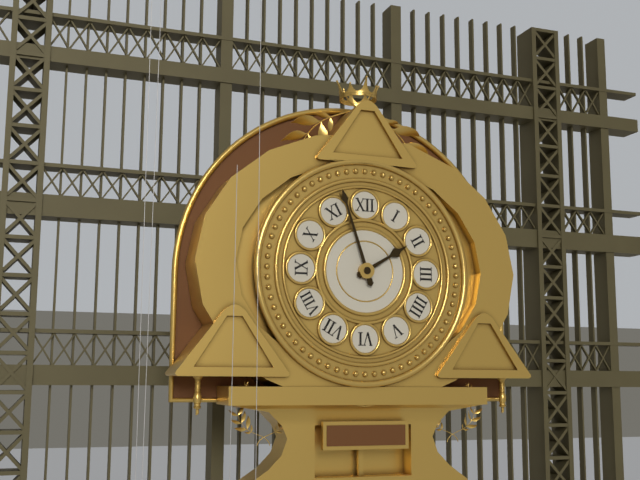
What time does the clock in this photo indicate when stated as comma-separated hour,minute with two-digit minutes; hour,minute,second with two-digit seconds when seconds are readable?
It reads 1,57
